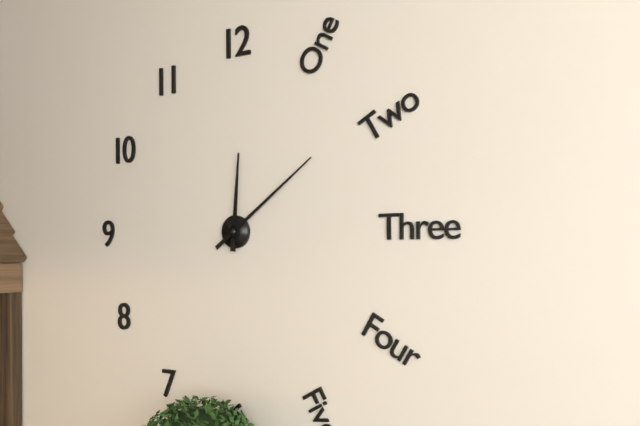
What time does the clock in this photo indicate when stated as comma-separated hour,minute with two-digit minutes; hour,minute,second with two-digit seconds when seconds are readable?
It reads 12,09
